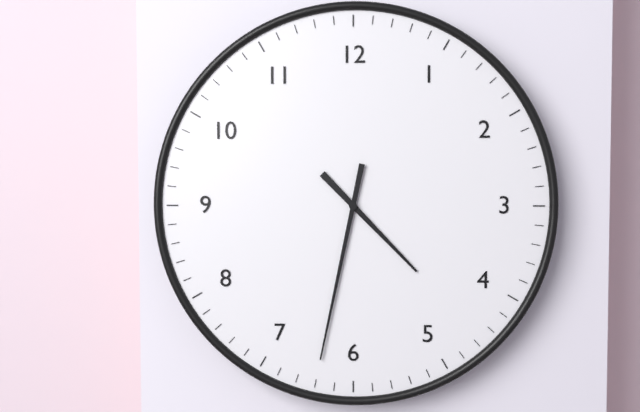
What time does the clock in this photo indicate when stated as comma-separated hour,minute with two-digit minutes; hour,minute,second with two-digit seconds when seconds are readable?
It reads 4,32
